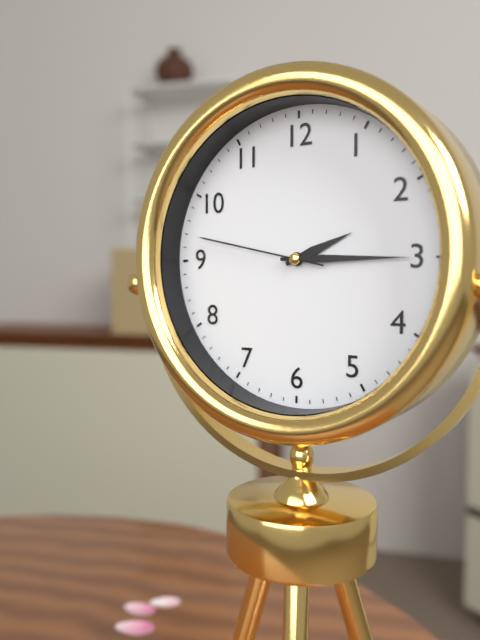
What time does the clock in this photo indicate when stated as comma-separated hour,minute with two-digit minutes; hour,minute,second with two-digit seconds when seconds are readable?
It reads 2,15,47
